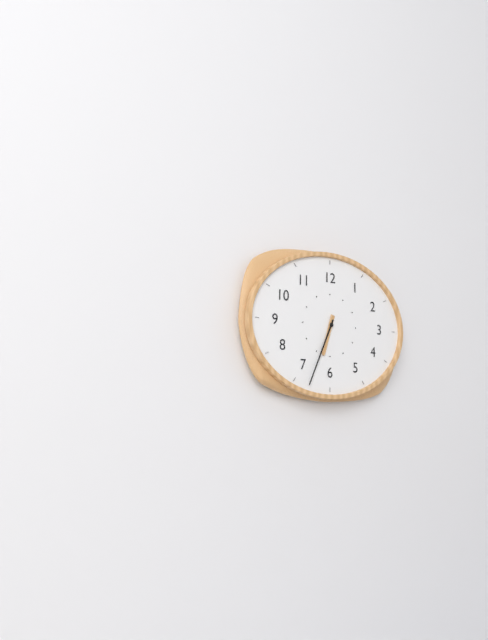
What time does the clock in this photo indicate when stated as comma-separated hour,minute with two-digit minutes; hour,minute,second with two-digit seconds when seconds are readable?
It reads 6,34
